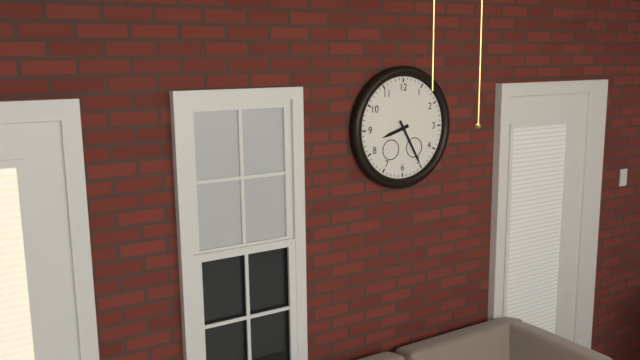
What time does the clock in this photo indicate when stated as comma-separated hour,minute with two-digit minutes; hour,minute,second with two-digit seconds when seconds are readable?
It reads 8,25
